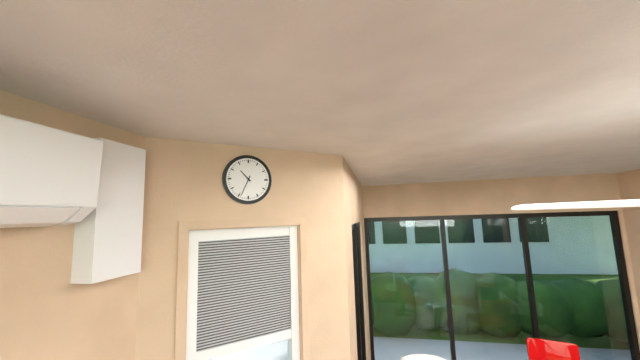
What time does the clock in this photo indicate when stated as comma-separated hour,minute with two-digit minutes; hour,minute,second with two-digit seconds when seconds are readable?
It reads 10,34
